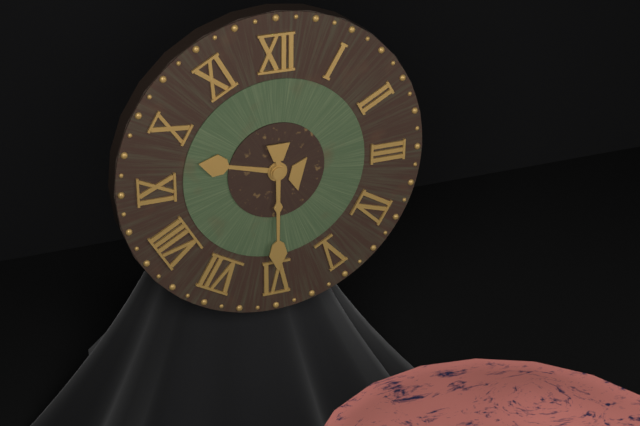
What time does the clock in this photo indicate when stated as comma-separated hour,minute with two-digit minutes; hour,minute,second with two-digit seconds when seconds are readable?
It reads 9,30
